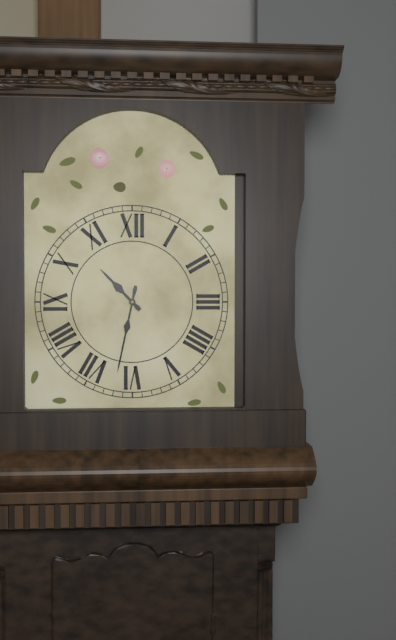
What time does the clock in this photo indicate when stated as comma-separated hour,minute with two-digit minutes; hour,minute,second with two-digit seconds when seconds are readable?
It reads 10,32
